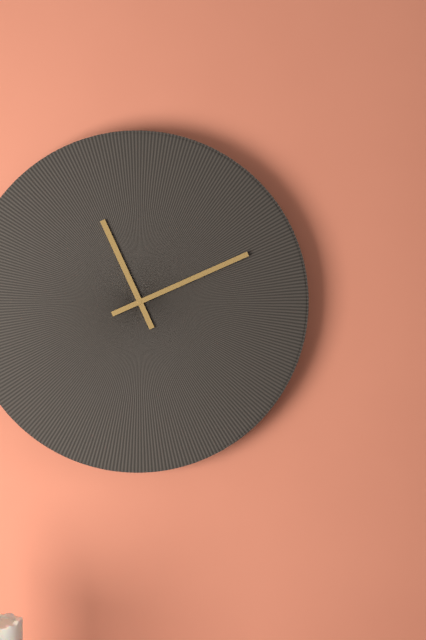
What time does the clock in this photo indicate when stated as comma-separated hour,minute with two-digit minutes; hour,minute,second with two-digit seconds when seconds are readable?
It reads 11,11
